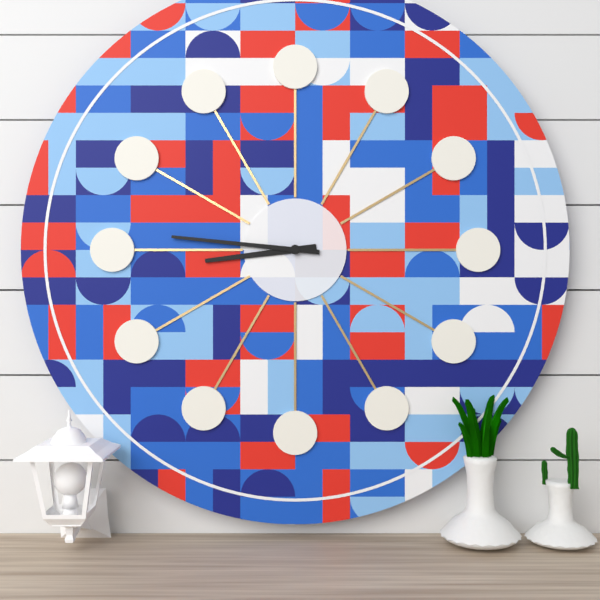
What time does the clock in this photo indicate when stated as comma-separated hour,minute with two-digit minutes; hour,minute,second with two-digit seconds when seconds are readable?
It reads 8,46
